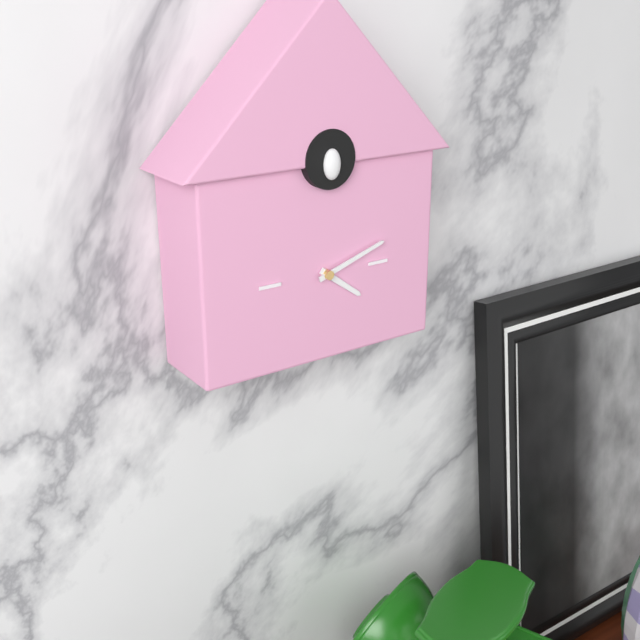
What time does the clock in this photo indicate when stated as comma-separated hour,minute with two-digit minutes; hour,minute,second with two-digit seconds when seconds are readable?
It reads 4,12
